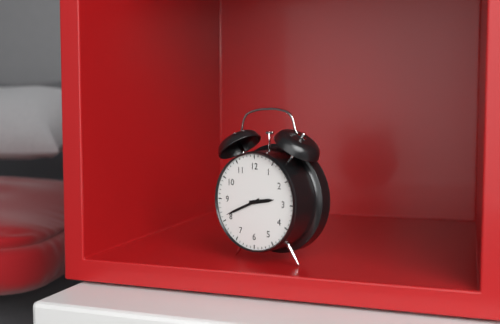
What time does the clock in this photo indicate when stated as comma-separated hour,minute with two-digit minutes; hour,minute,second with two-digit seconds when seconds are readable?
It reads 2,41
